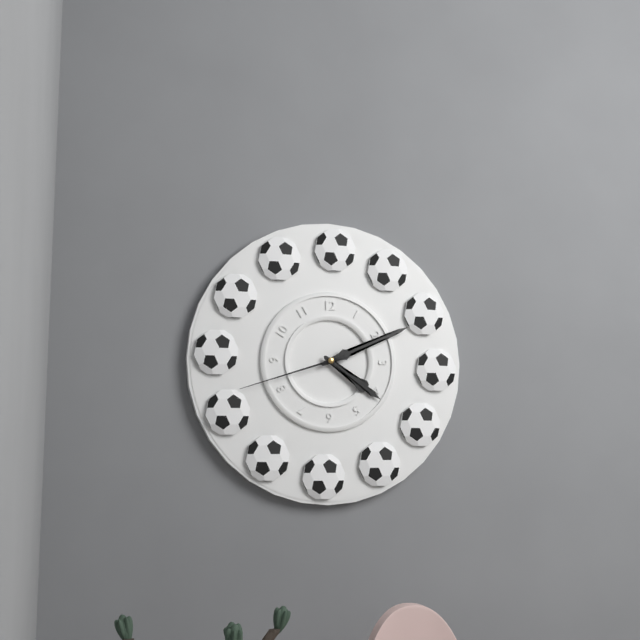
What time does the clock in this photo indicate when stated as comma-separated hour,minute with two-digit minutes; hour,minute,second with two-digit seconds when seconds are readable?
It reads 4,11,42
